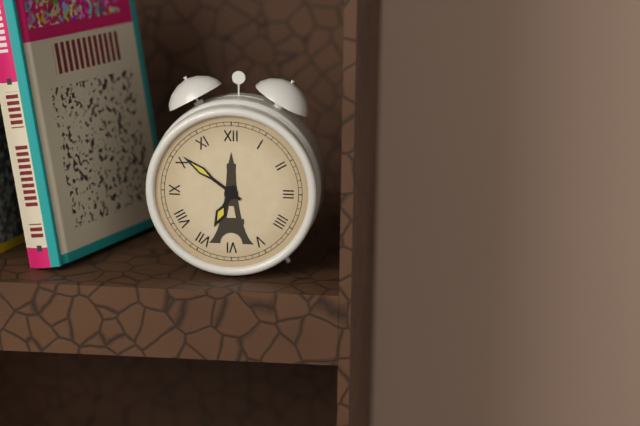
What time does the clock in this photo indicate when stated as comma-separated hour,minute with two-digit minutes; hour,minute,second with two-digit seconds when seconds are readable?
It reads 6,51
